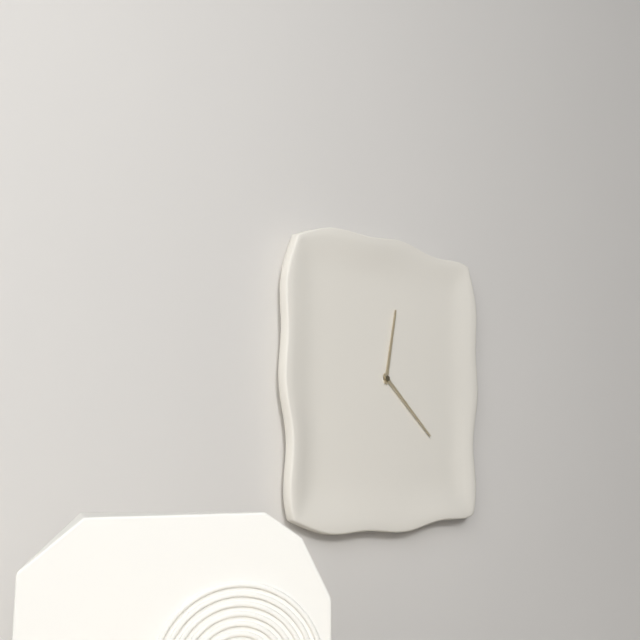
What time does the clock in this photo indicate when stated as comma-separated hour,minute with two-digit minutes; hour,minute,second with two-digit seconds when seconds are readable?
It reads 12,22
